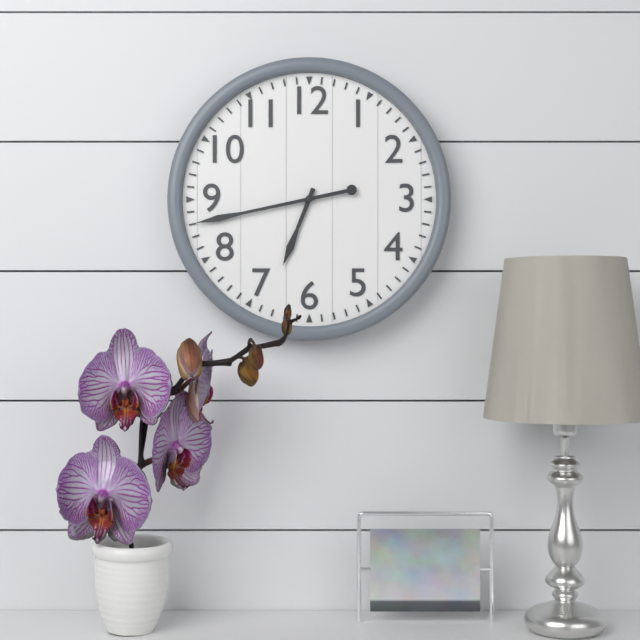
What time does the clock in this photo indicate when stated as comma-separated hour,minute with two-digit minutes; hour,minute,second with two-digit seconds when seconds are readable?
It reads 6,43
